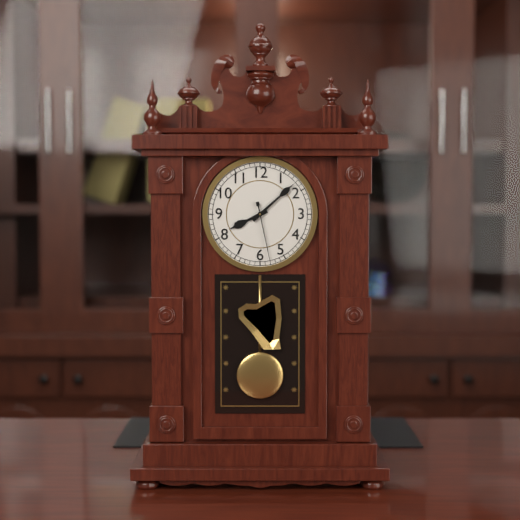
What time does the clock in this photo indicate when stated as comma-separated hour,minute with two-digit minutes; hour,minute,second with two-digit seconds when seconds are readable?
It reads 8,08,28
